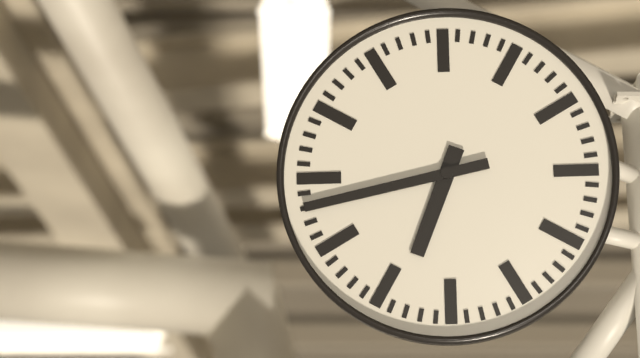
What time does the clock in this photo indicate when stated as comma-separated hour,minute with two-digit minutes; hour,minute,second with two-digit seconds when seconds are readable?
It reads 6,43
